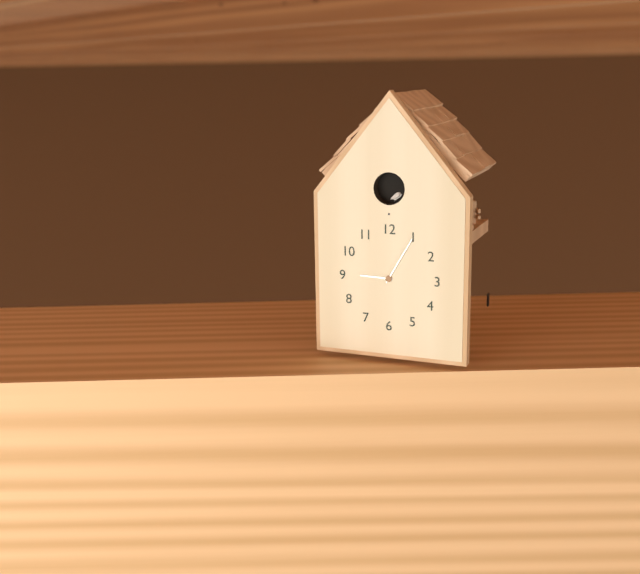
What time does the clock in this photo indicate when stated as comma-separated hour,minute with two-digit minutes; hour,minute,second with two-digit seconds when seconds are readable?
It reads 9,05
